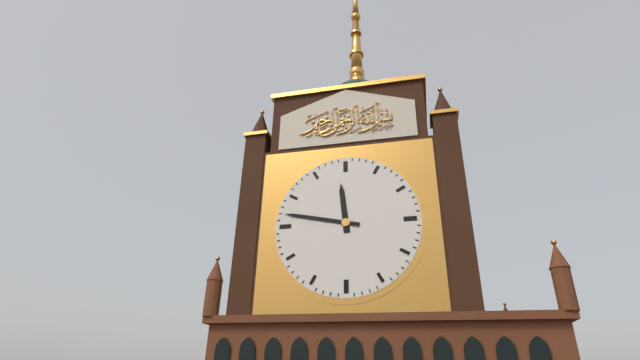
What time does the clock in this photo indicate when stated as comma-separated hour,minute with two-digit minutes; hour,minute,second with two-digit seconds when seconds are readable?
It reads 11,47
